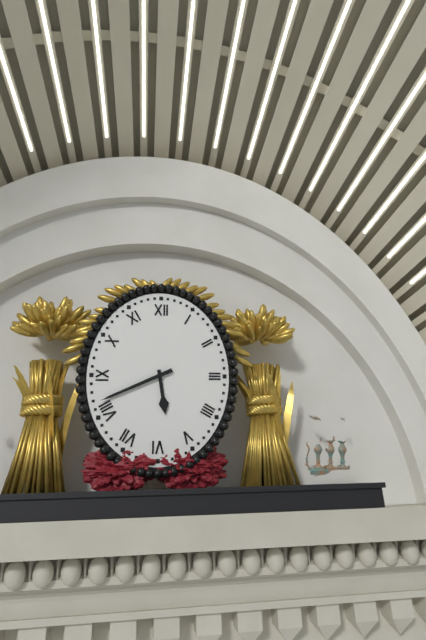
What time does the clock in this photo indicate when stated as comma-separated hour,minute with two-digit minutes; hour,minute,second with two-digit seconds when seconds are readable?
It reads 5,41
